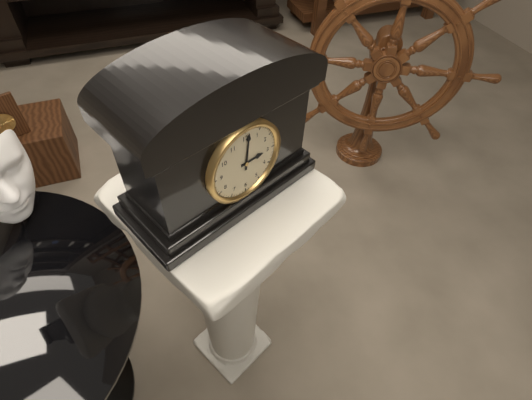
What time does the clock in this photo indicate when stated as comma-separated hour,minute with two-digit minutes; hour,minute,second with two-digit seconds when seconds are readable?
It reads 3,01
